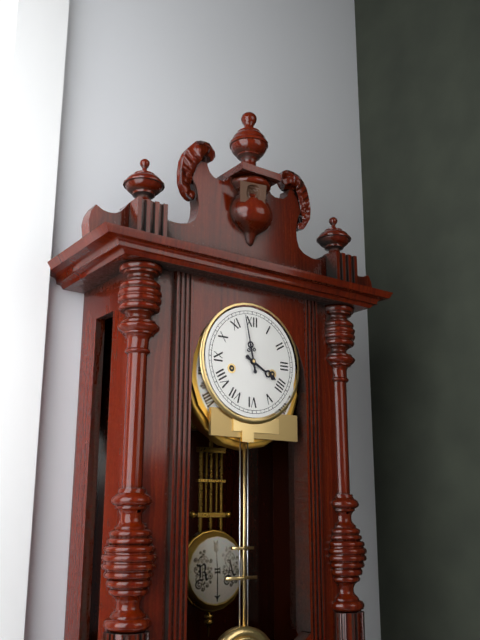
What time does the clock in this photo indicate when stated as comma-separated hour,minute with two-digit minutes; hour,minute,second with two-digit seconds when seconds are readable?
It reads 3,58
